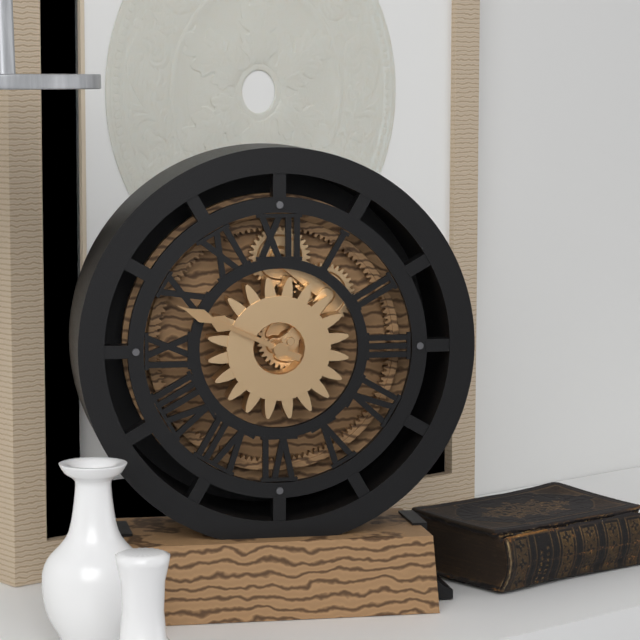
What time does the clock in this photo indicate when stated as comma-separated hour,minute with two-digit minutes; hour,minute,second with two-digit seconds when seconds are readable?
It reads 9,49
